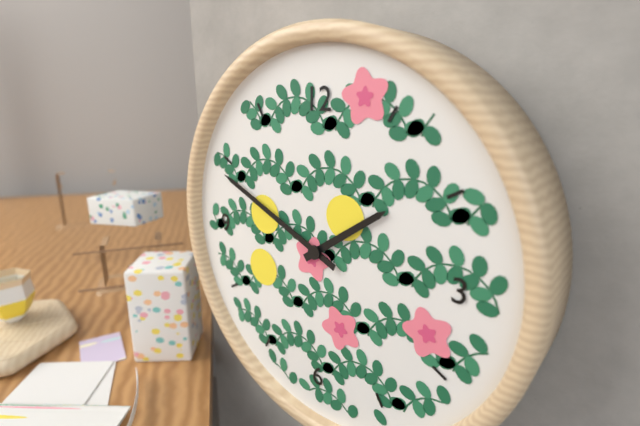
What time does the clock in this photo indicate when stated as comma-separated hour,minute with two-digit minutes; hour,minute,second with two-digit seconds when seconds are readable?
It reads 1,49
